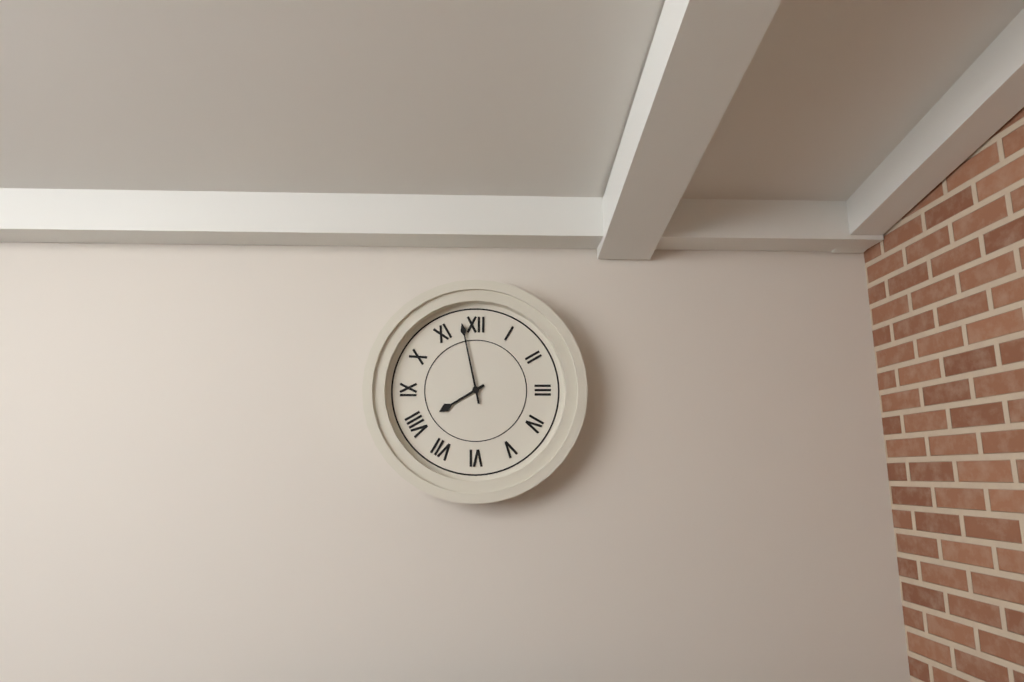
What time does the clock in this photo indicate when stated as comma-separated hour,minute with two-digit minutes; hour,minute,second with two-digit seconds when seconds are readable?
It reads 7,58
